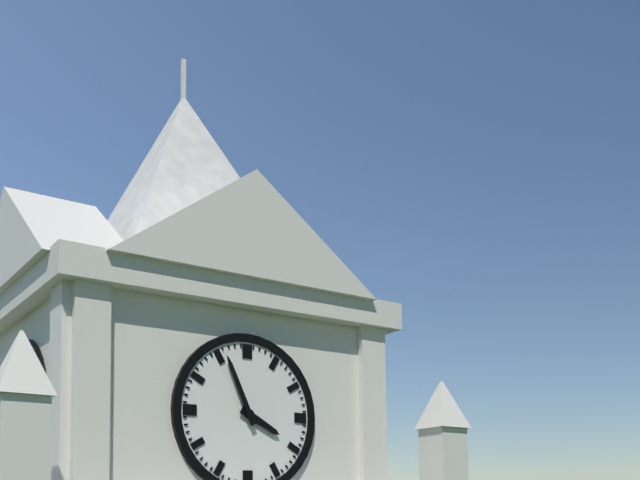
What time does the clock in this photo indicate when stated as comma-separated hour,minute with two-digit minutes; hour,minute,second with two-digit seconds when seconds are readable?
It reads 3,56
